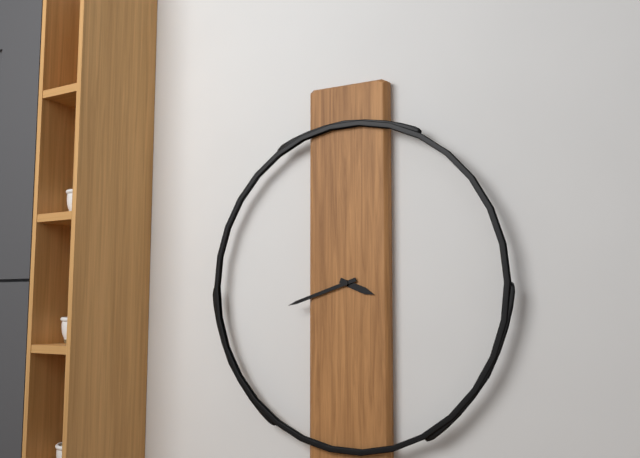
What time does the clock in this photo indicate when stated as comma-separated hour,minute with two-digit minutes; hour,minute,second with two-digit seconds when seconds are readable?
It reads 3,42
